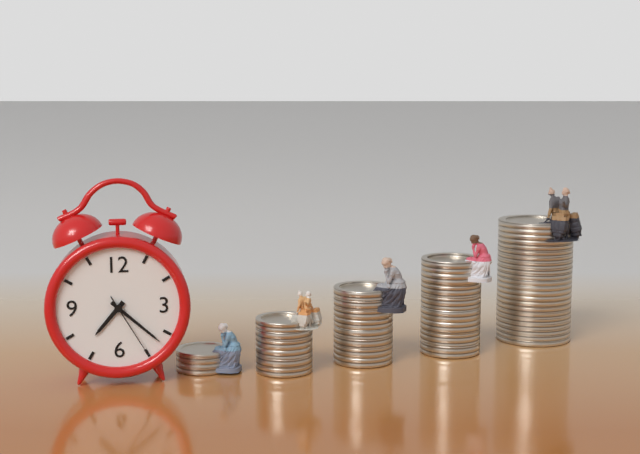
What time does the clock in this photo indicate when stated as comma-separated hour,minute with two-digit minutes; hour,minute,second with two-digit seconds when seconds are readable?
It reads 7,22,25
